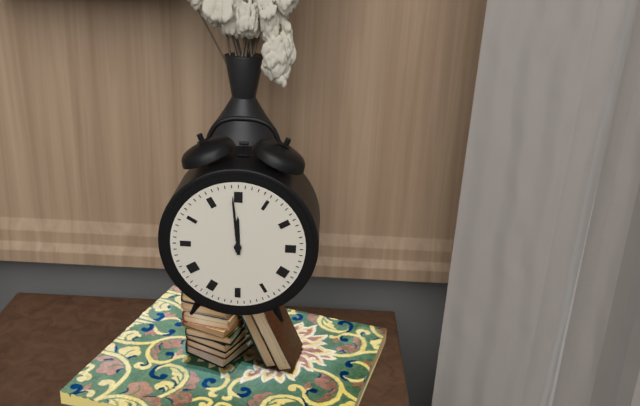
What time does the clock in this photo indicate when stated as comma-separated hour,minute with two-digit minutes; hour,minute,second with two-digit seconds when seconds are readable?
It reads 11,59
